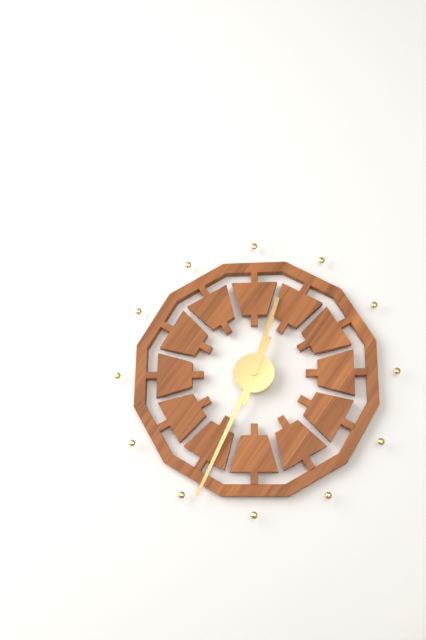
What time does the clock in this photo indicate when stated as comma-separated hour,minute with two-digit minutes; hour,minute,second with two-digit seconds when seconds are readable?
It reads 12,34
